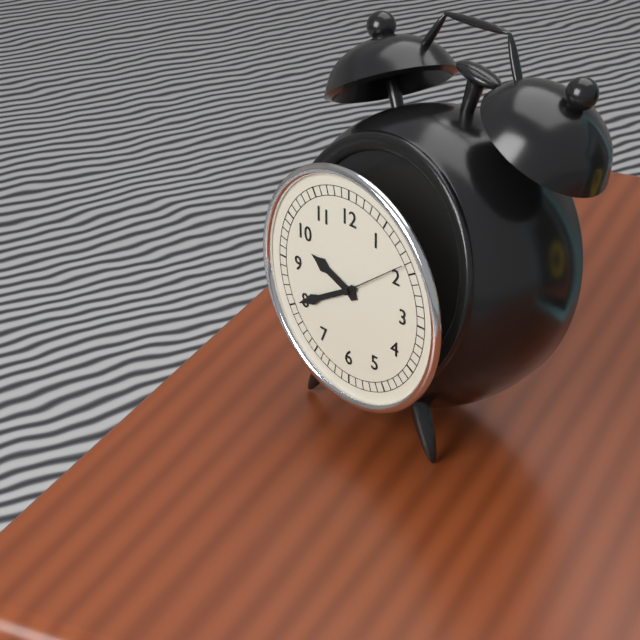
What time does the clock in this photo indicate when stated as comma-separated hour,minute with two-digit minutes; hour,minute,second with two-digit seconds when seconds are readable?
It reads 9,40,09
